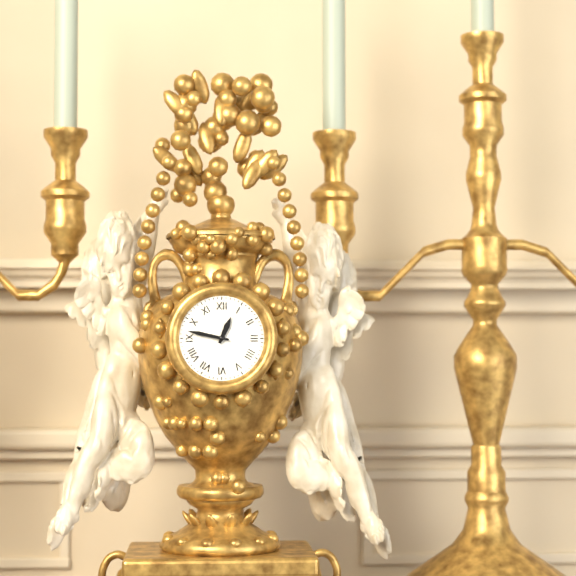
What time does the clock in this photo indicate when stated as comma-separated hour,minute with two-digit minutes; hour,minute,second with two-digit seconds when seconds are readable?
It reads 12,47
